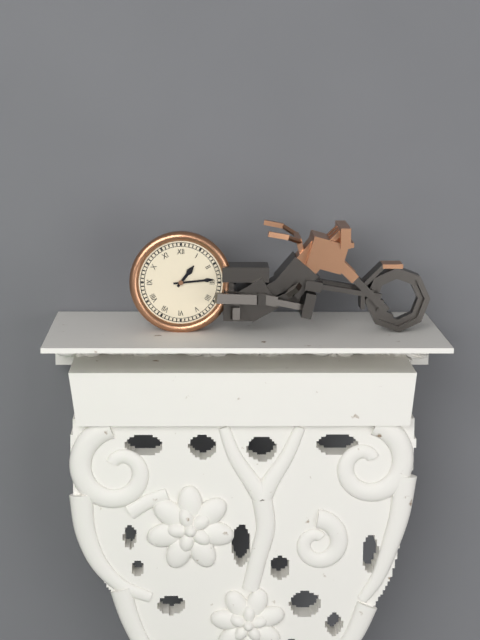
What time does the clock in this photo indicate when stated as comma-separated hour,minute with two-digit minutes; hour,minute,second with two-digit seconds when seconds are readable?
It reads 1,14
